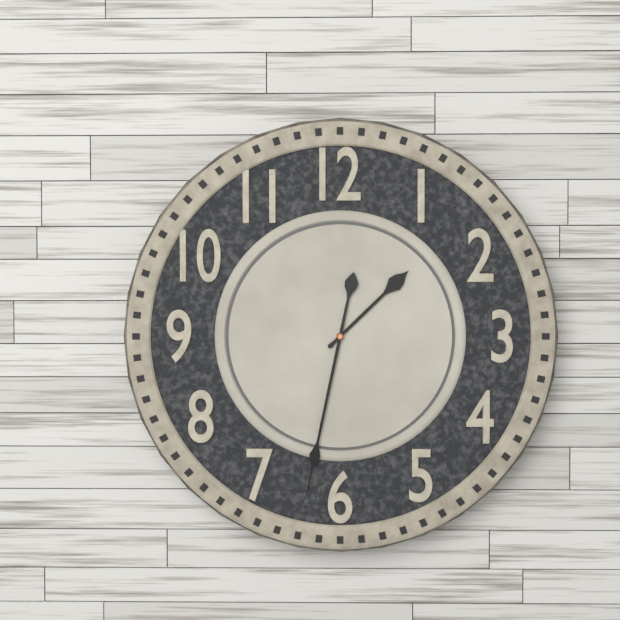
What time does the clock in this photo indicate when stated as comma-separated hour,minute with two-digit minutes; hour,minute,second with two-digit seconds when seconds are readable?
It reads 1,32
